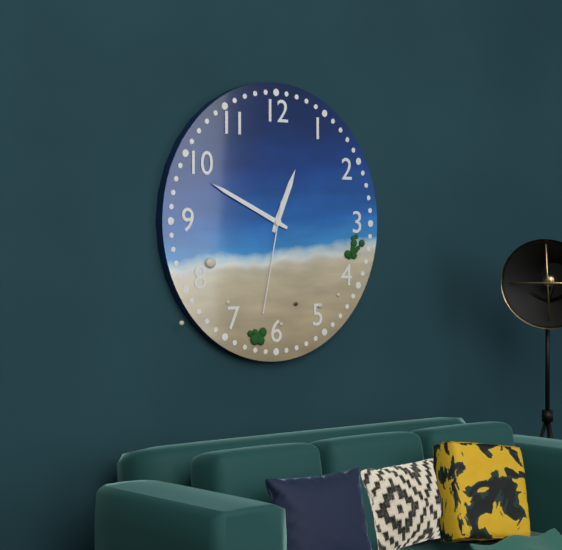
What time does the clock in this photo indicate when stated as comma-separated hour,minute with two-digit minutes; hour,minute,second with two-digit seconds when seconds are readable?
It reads 12,49,32
